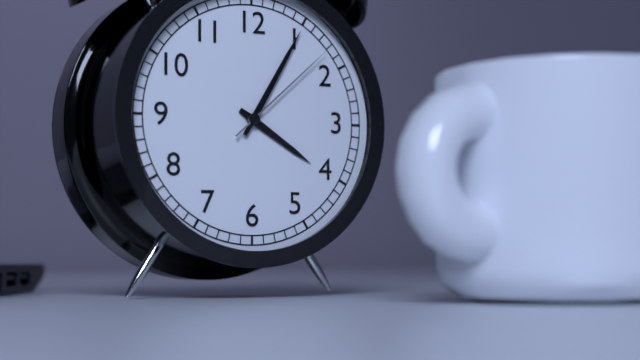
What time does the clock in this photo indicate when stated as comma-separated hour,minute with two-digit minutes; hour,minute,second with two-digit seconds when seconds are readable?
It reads 4,05,08
